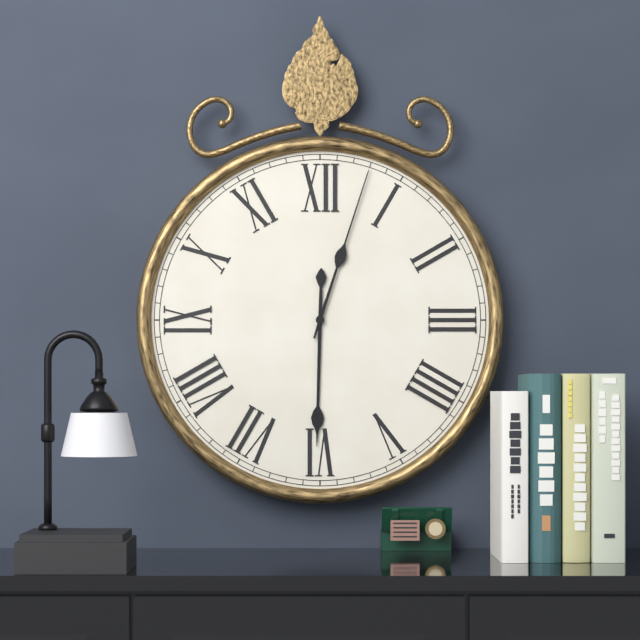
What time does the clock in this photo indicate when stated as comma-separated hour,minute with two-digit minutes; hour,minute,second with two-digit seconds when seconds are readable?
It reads 6,03
